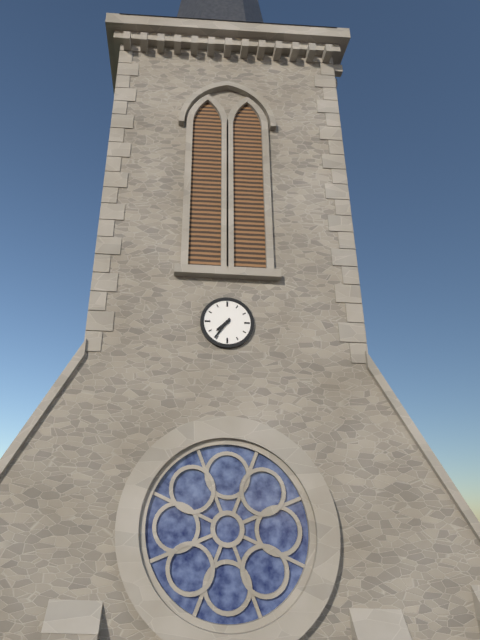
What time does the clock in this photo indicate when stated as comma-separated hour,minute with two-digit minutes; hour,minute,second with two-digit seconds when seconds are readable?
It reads 7,36
